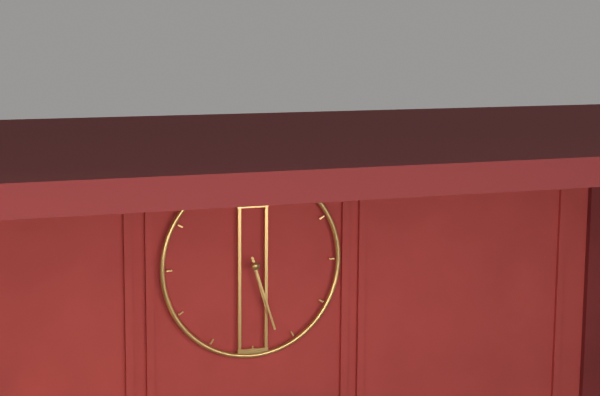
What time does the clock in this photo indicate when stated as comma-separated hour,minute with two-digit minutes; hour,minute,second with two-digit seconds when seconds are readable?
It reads 5,27
